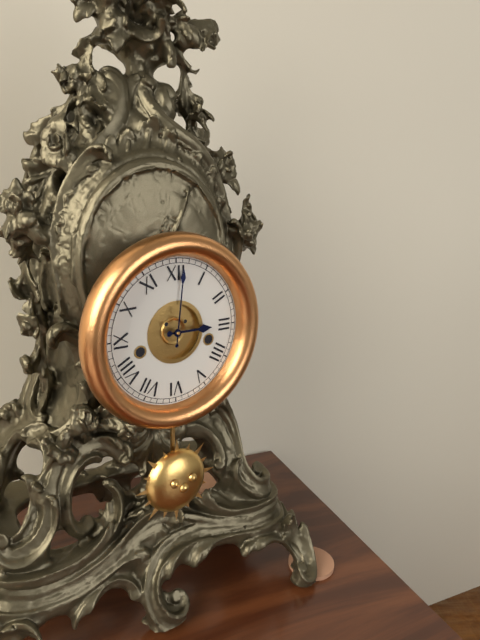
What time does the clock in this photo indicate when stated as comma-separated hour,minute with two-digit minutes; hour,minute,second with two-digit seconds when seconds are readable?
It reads 3,01
